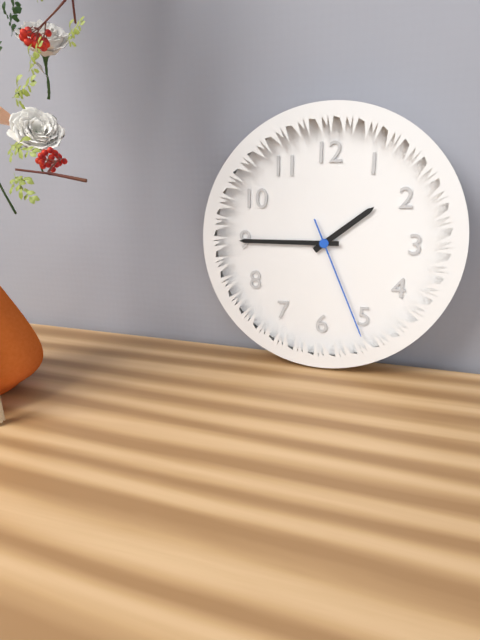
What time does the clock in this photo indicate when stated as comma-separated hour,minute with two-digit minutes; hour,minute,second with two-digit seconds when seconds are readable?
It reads 1,45,26
